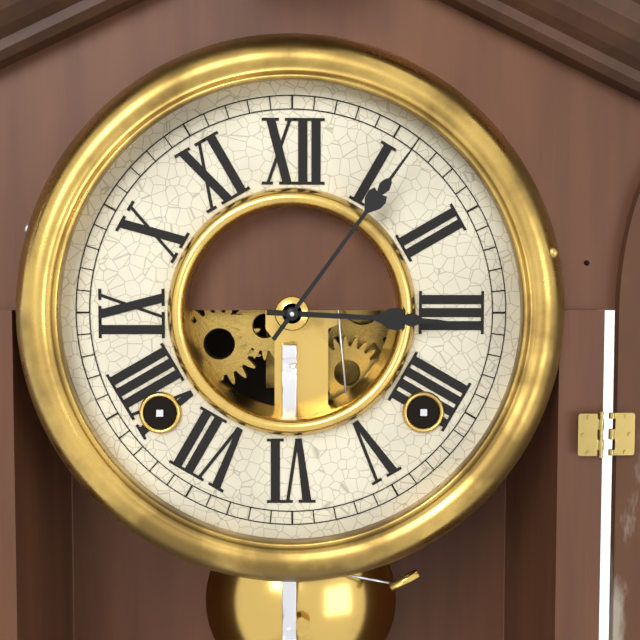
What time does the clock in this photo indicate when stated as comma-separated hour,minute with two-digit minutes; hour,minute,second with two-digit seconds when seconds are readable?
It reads 3,06
